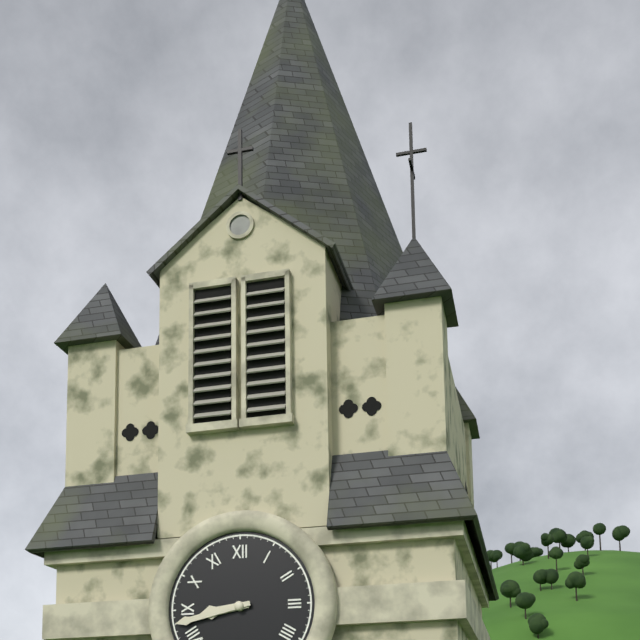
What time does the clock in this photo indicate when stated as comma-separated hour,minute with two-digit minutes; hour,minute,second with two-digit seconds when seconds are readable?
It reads 8,43
